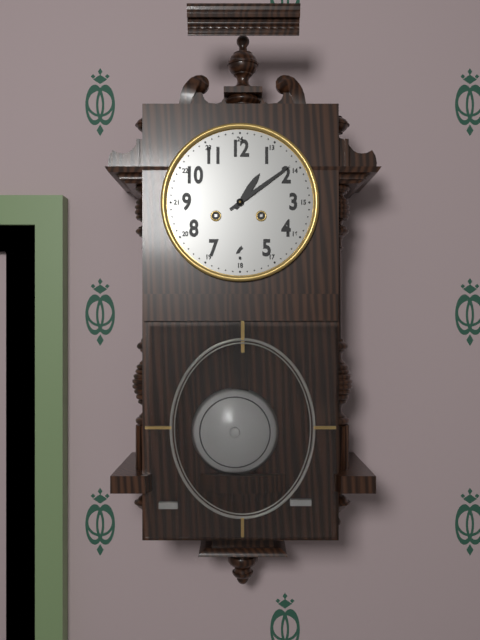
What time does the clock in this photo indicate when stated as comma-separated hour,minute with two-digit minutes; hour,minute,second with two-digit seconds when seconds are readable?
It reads 1,09
